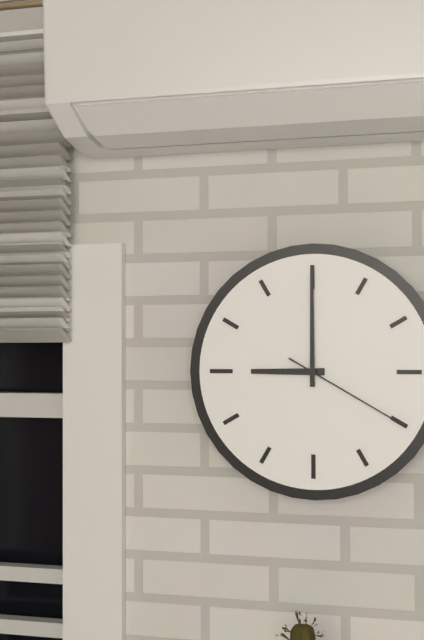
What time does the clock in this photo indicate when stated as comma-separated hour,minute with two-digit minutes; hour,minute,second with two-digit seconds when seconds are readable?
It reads 9,00,20
